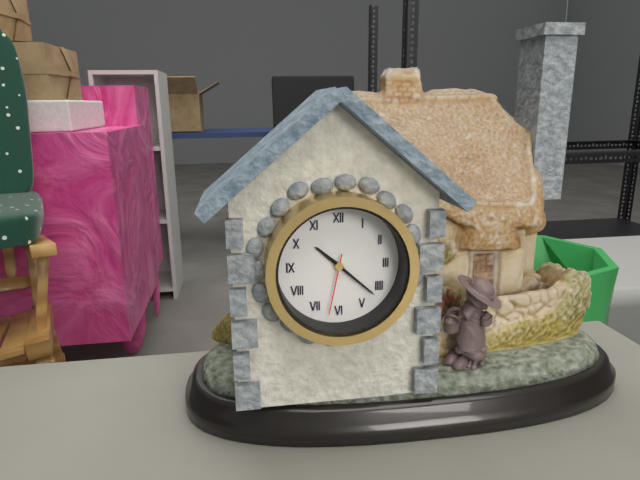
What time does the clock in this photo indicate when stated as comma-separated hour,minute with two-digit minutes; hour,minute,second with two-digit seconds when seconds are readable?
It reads 10,22,32
